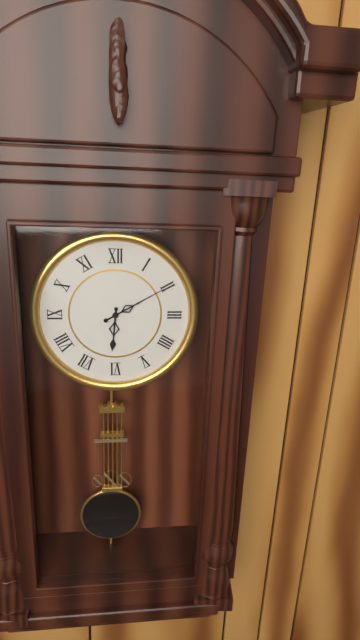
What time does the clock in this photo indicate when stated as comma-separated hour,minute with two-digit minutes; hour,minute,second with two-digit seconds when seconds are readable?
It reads 6,10
